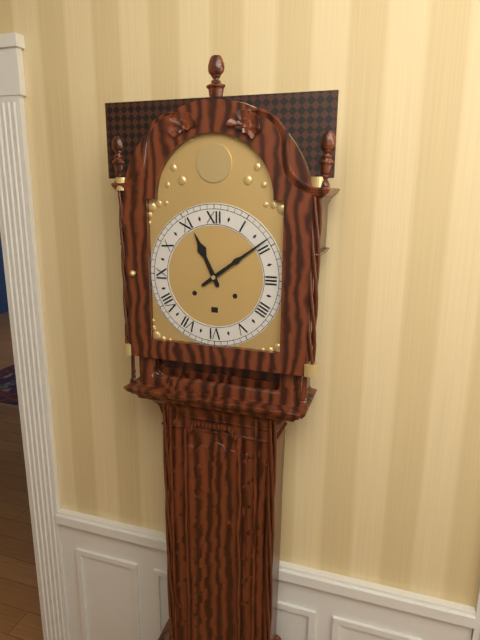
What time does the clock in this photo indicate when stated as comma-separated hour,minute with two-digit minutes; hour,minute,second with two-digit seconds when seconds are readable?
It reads 11,09
